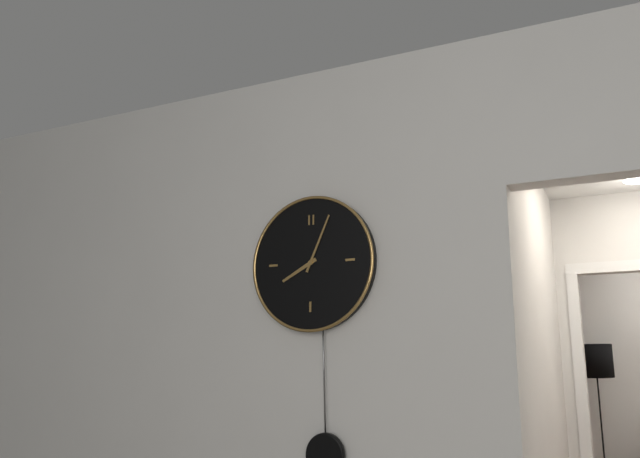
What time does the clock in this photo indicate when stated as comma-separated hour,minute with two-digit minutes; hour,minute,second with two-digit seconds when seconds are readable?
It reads 8,04
